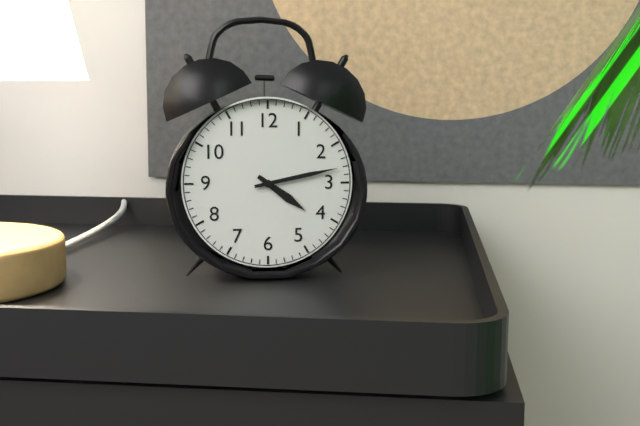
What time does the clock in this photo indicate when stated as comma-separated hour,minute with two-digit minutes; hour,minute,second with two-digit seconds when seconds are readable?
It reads 4,13
